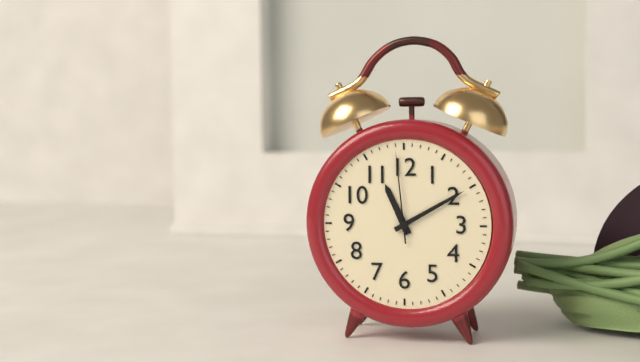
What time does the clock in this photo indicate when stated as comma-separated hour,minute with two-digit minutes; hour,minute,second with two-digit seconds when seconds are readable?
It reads 11,10,59
